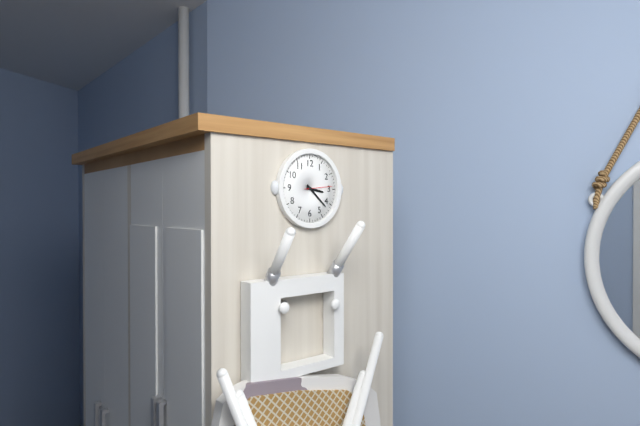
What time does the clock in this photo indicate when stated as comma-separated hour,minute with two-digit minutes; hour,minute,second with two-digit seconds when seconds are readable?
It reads 3,22
